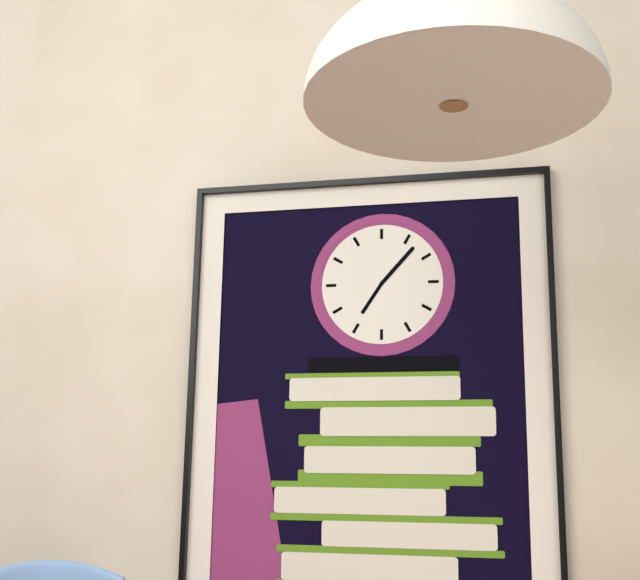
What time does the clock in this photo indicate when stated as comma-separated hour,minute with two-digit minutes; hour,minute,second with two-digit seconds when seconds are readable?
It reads 7,07
